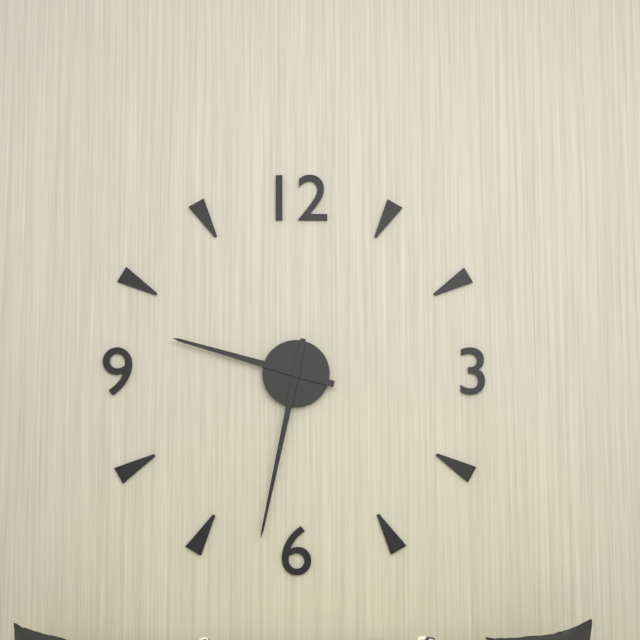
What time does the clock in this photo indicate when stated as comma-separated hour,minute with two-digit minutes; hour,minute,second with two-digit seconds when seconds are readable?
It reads 9,32
